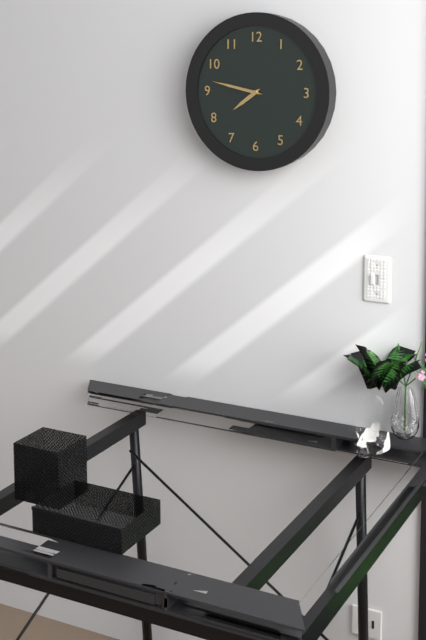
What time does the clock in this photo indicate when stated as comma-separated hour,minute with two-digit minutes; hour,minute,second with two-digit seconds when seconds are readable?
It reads 7,47
